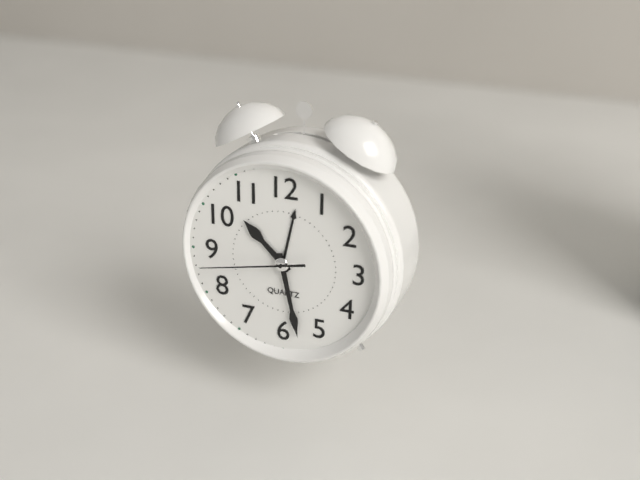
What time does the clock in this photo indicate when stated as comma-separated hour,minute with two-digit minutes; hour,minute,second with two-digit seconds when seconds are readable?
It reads 10,28,43
